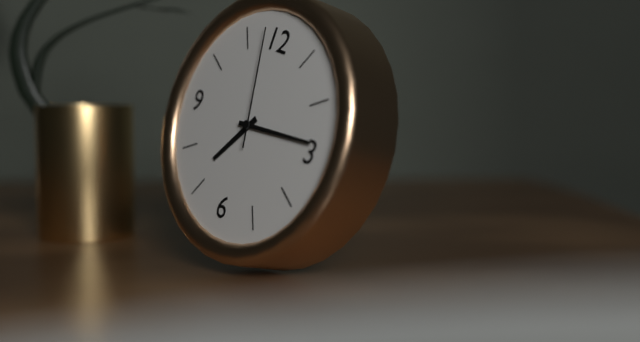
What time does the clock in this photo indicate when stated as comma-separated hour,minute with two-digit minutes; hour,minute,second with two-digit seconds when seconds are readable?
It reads 7,14,58
